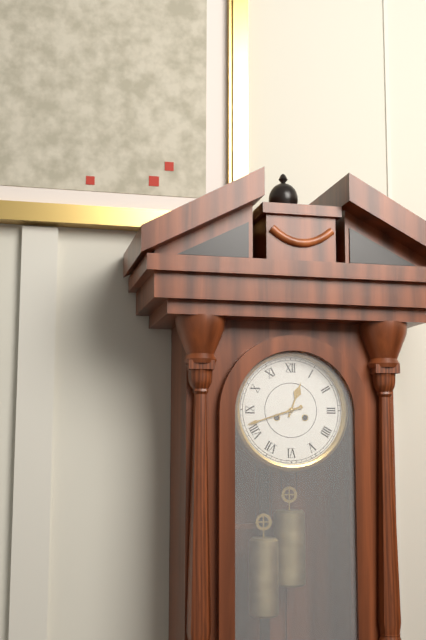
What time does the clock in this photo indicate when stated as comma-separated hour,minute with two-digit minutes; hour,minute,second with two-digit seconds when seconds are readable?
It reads 12,42
